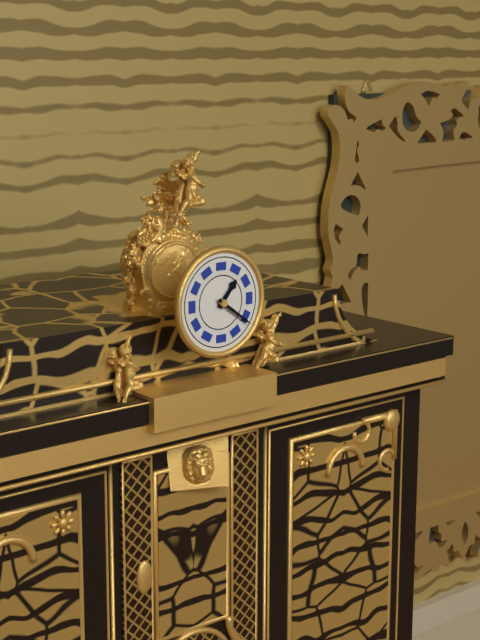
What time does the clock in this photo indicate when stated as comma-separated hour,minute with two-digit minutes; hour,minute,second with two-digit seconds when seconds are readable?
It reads 1,21
